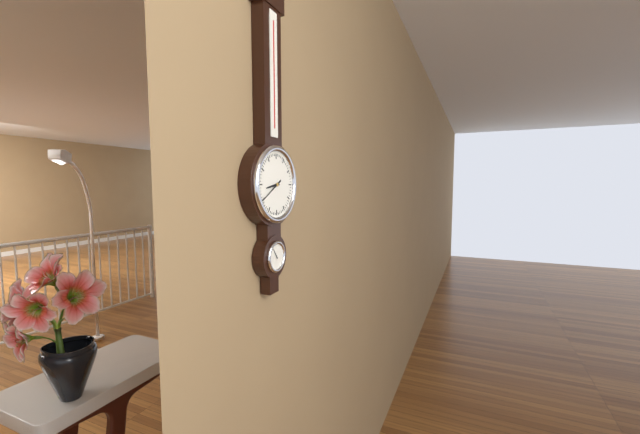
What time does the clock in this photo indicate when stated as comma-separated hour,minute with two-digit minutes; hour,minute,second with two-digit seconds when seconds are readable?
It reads 8,40
